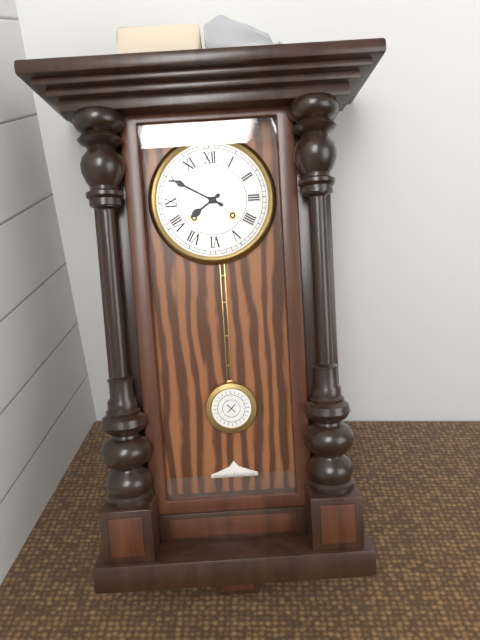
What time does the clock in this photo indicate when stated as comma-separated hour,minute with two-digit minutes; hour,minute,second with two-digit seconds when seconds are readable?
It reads 7,50
